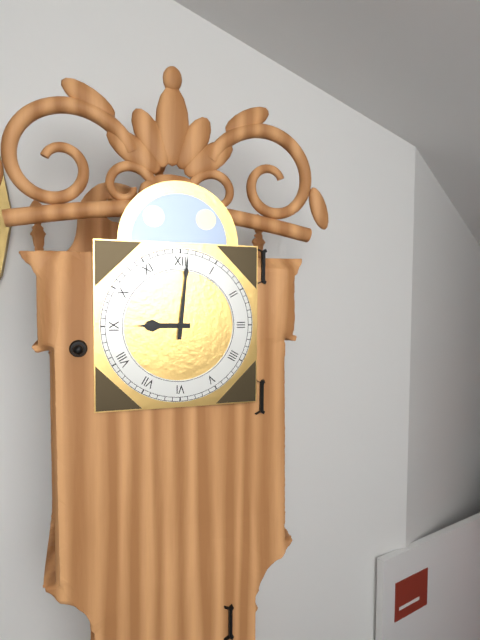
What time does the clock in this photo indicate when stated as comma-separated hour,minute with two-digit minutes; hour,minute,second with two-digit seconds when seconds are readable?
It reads 9,01
